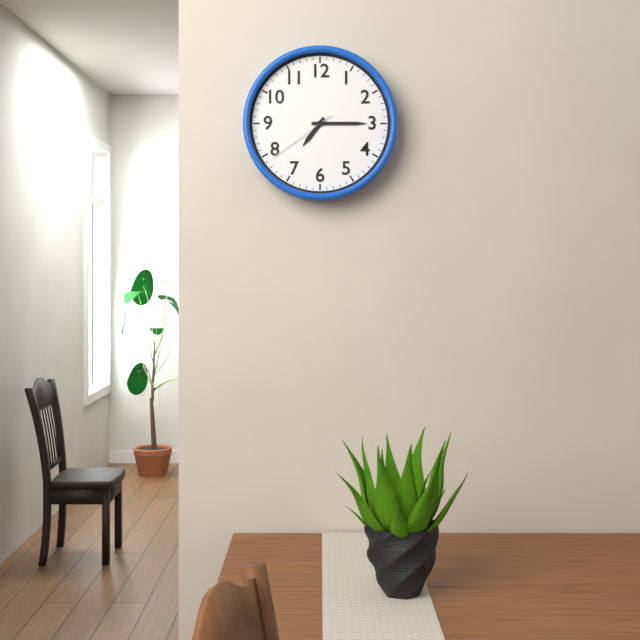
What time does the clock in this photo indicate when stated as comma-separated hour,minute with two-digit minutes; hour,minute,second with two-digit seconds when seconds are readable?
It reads 7,15,39
